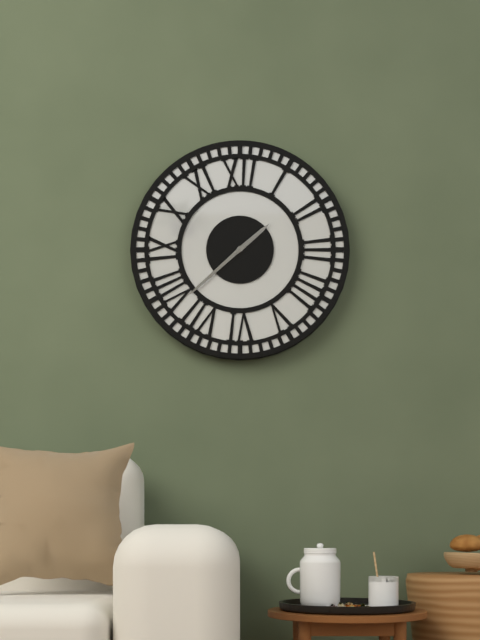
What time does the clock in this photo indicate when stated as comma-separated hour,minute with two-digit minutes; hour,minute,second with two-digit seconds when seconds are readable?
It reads 1,38
